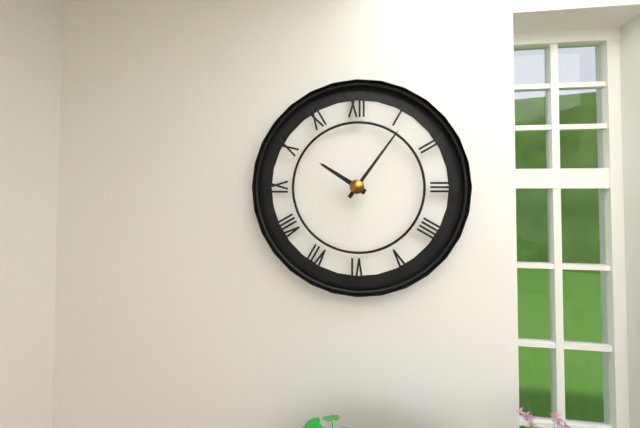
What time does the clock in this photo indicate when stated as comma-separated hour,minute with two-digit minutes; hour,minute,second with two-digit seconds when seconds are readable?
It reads 10,06
